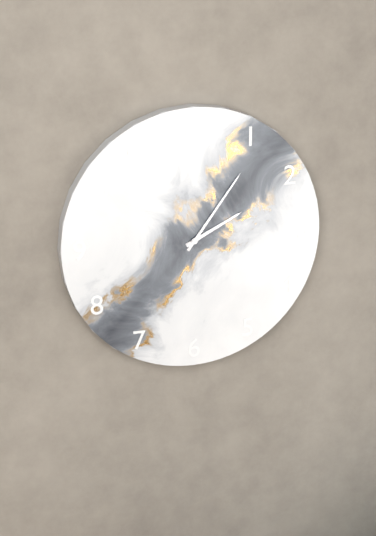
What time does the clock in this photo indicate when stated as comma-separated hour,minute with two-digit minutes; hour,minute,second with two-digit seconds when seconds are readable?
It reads 2,06
